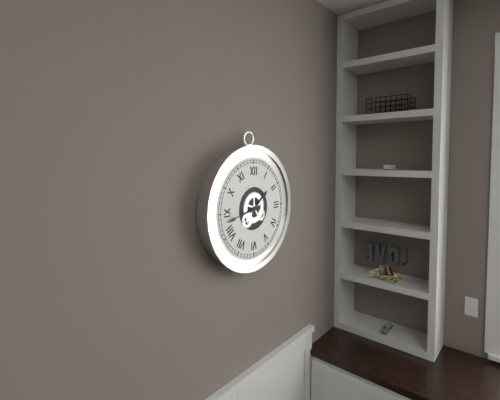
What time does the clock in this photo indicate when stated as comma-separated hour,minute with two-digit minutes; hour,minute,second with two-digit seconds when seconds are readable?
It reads 1,43
